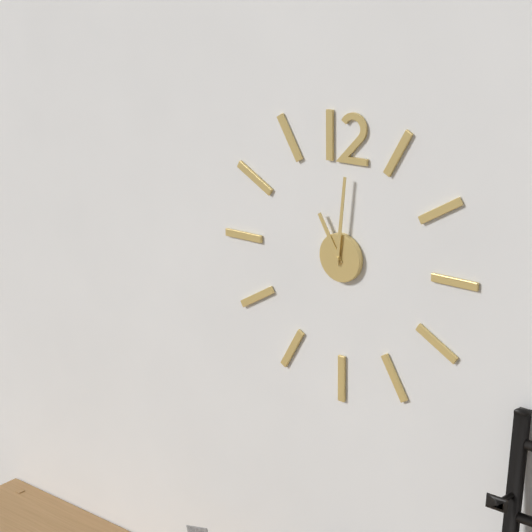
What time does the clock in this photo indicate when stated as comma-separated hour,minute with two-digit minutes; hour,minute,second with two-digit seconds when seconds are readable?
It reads 11,01
